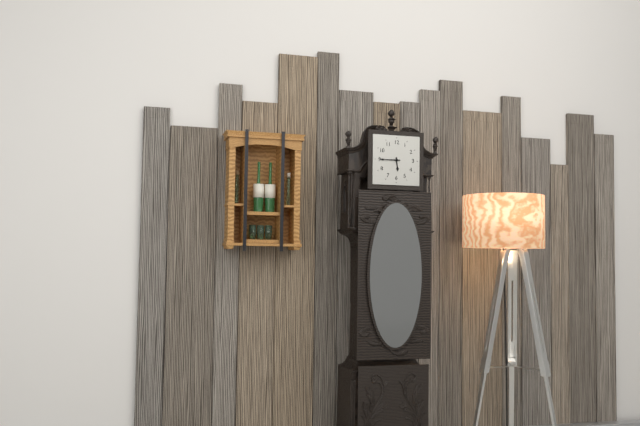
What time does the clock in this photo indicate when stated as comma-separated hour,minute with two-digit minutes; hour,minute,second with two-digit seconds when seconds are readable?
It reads 5,45
